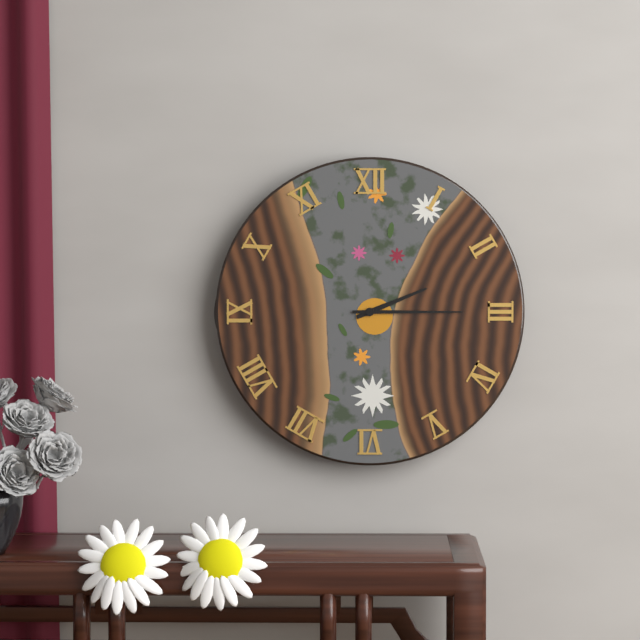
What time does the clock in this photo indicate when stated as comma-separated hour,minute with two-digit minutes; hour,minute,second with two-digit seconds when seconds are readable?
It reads 2,15
